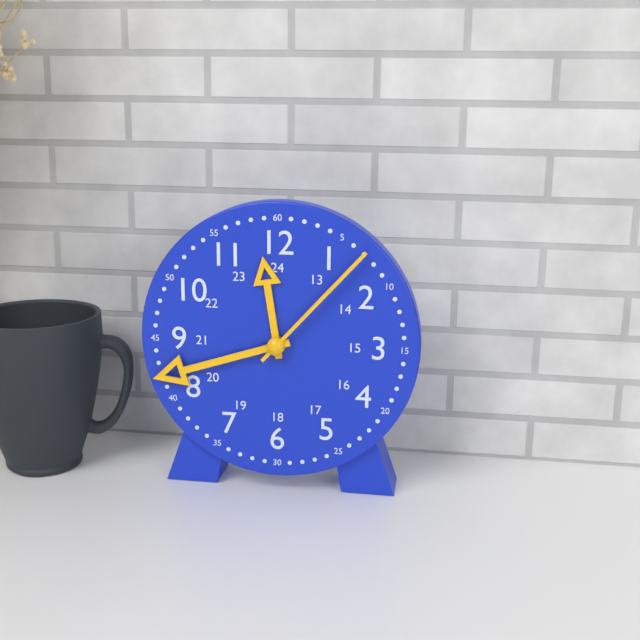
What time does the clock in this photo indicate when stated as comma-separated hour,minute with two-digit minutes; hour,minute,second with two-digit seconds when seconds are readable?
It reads 11,42,07
